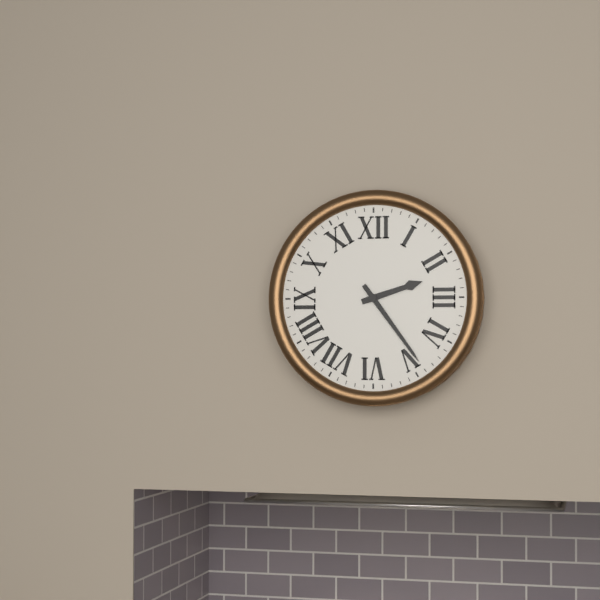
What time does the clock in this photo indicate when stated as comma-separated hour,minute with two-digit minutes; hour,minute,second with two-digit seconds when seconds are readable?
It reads 2,24
